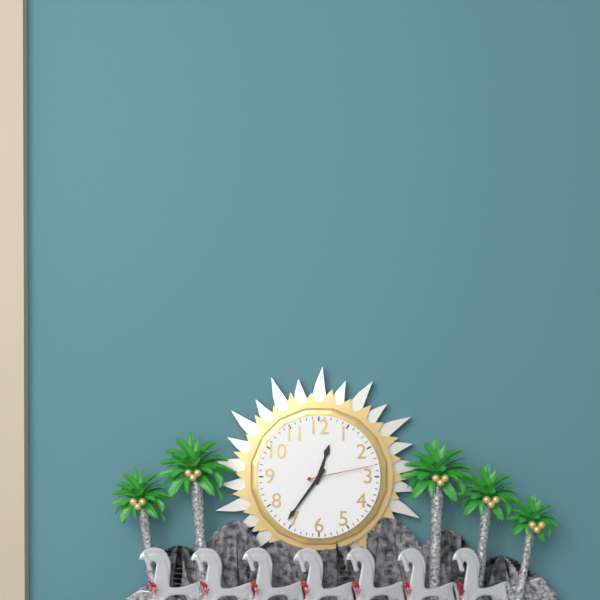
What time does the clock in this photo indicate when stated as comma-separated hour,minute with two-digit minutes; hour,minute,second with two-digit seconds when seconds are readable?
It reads 12,36,13
